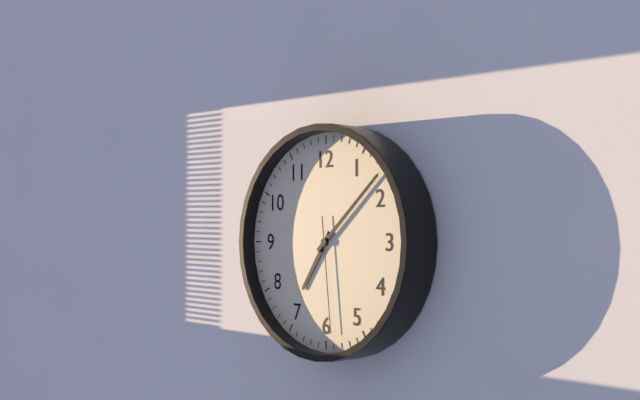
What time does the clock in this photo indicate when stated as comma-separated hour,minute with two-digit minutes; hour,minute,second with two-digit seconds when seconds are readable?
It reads 7,08,29
